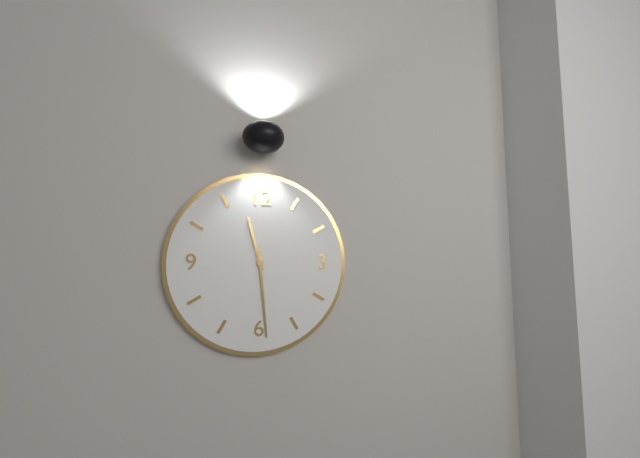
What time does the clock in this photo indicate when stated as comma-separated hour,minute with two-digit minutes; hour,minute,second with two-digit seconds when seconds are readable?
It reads 11,29
